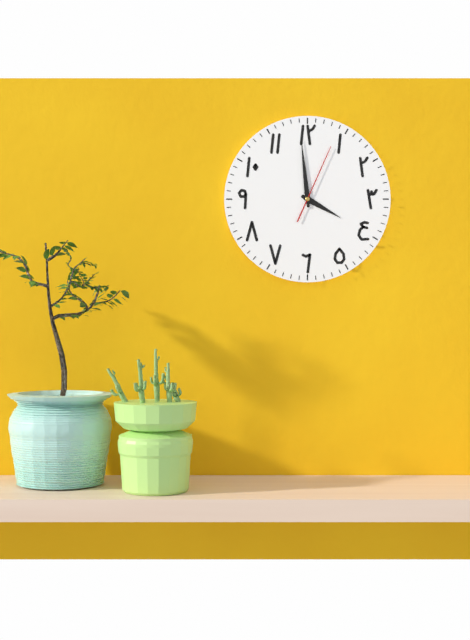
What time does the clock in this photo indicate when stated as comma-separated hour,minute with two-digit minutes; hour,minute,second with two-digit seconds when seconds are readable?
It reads 3,59,04
